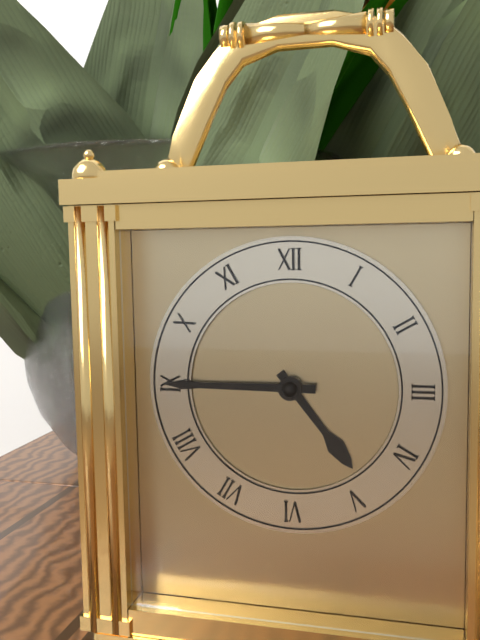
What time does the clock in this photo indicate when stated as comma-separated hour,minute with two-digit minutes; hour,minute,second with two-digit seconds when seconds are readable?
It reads 4,45
